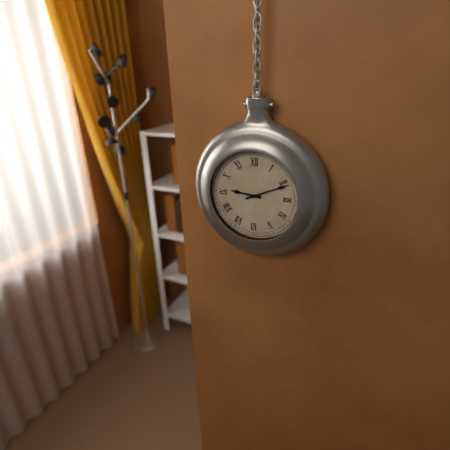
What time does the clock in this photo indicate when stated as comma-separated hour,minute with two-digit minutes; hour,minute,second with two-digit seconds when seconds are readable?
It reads 9,11
